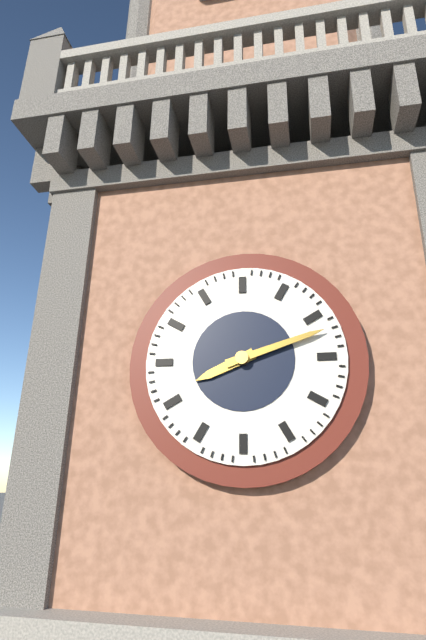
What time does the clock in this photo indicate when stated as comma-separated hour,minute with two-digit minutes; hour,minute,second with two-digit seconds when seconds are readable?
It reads 8,12
